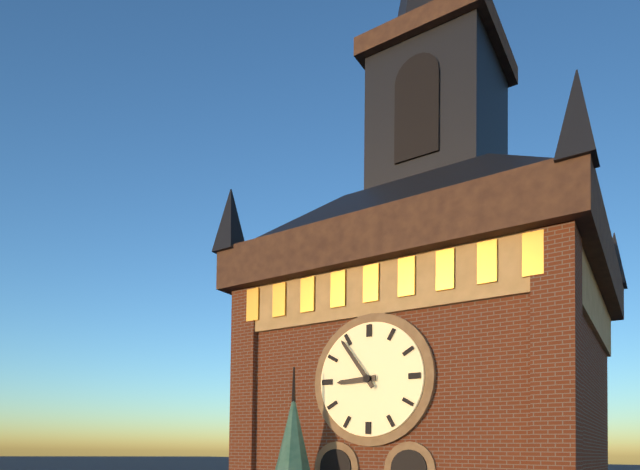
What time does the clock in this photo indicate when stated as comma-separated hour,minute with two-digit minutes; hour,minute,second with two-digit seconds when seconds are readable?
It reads 8,54
